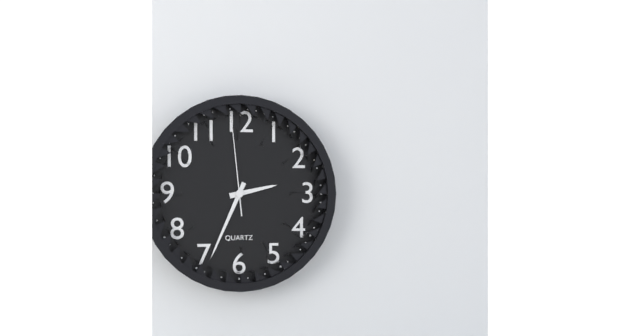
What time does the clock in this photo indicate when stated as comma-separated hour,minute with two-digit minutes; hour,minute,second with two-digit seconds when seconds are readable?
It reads 2,34,59
